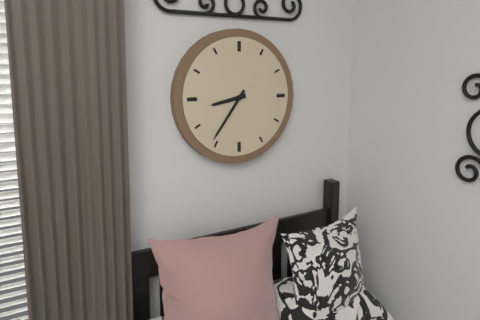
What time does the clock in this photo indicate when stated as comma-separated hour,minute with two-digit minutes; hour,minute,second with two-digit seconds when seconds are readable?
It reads 8,36
